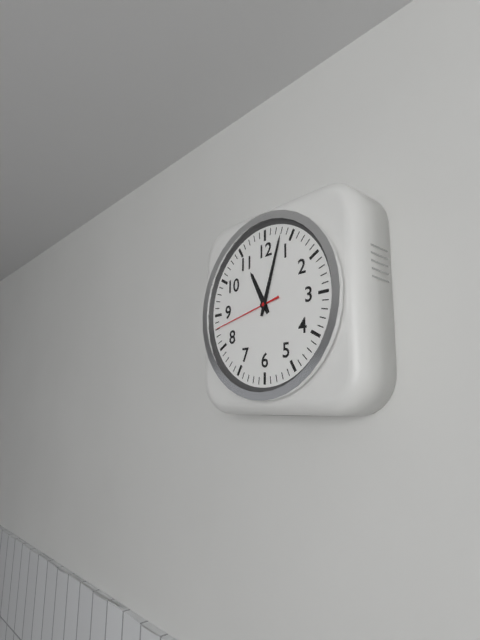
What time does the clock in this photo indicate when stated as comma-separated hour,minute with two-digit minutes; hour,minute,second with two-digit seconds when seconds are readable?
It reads 11,03,43
